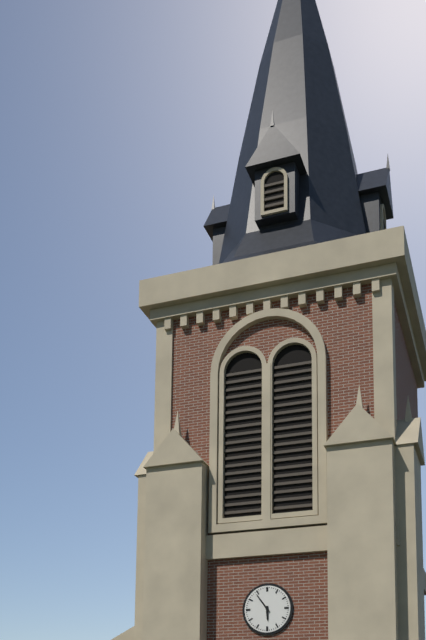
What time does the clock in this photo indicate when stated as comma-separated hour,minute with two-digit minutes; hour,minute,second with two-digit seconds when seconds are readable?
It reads 5,54
